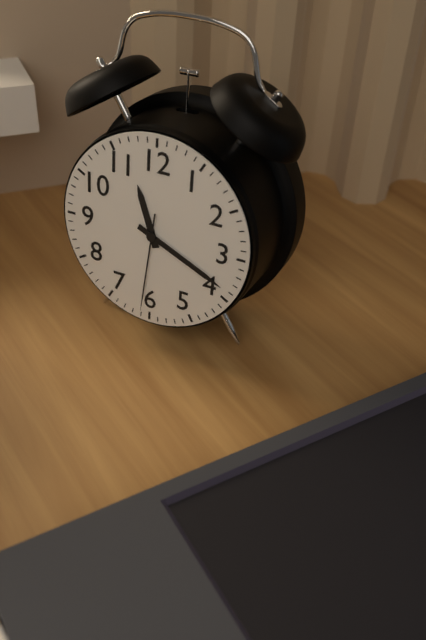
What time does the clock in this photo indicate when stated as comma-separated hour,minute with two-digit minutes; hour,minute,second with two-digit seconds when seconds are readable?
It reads 11,19,31
